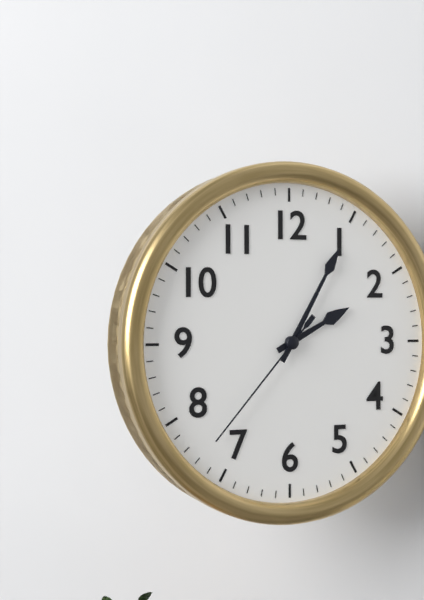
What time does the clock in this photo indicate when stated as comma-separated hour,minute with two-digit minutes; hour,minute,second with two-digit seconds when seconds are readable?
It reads 2,05,37
